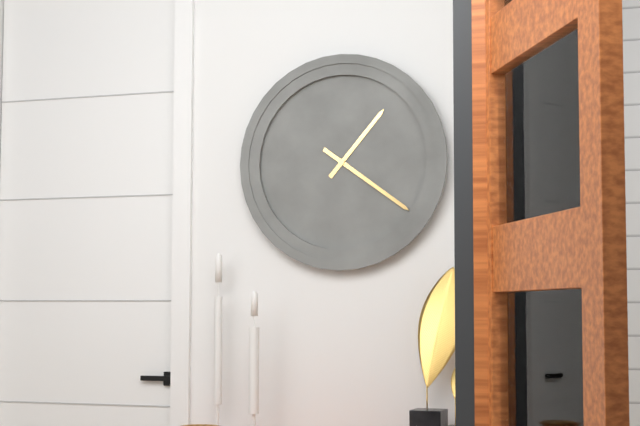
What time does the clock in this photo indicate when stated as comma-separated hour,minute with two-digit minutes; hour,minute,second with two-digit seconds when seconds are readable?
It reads 1,21
